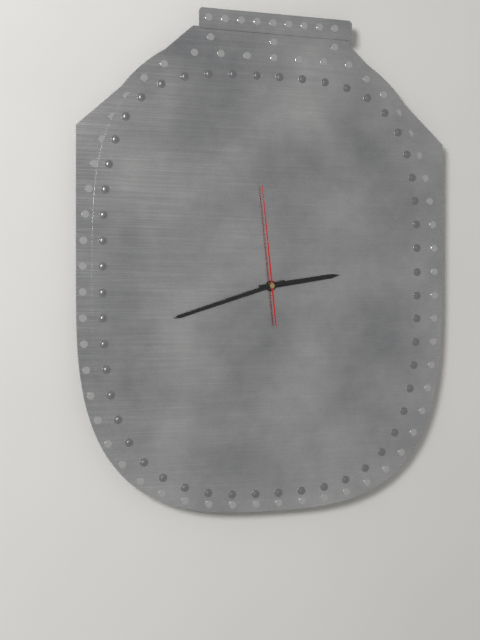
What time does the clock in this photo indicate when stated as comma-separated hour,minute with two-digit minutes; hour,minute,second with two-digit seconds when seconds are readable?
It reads 2,42,59
